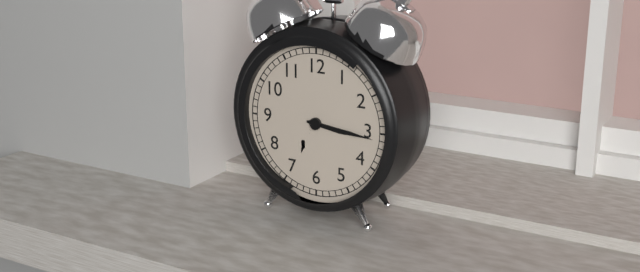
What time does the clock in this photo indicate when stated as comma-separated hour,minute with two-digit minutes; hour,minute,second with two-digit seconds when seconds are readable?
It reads 3,16
